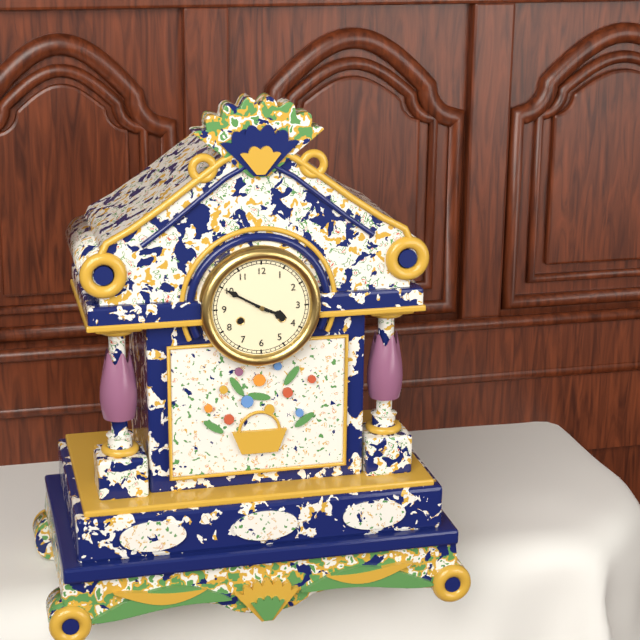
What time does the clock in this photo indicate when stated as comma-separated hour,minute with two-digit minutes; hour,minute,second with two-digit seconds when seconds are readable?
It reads 3,50
